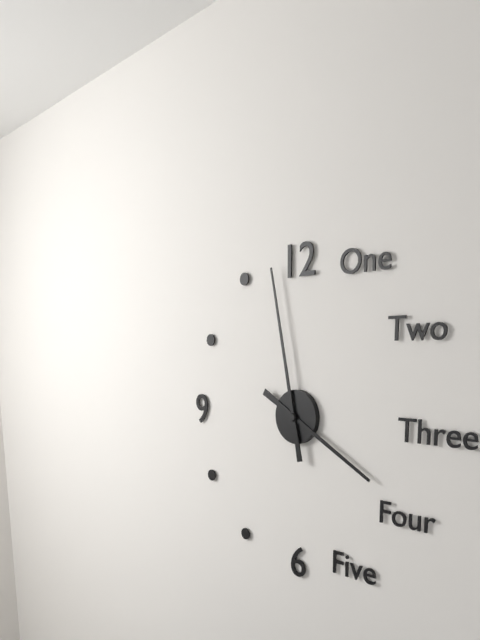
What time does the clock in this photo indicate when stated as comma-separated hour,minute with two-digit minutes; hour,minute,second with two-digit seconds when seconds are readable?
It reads 3,58
